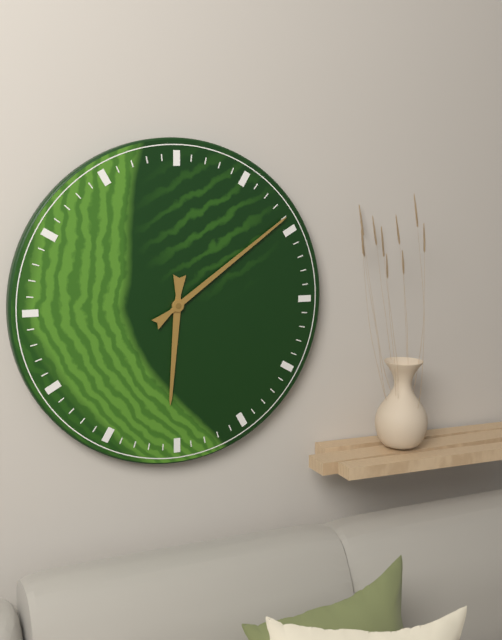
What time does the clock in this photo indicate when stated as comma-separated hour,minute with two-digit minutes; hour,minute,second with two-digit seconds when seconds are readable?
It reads 6,09
